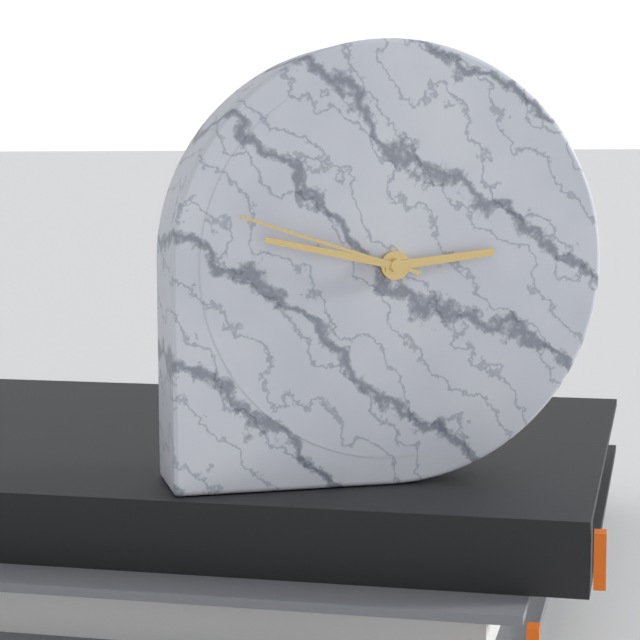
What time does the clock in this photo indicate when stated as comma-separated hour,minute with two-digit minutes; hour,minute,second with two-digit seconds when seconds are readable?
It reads 2,47,48
